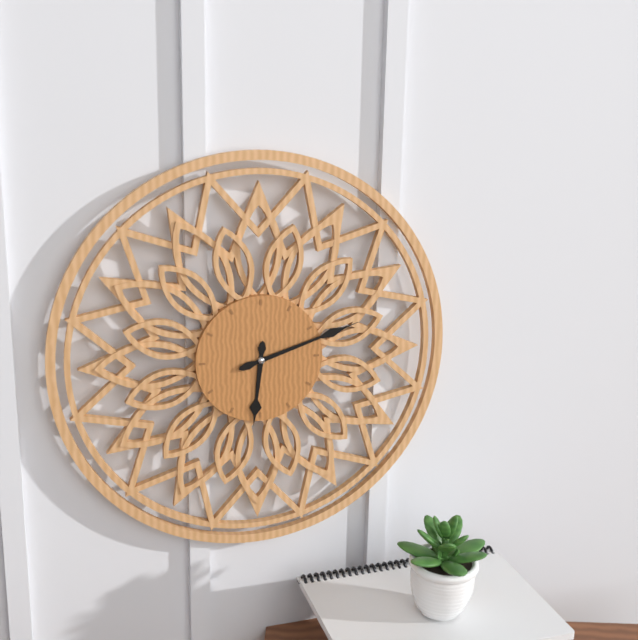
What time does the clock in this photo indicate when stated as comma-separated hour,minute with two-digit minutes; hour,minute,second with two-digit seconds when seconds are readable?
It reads 6,12
